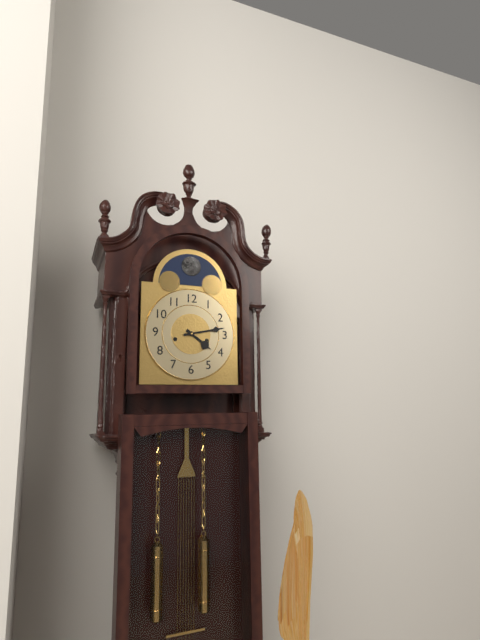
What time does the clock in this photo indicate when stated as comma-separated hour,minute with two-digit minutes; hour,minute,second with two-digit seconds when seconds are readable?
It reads 4,13
